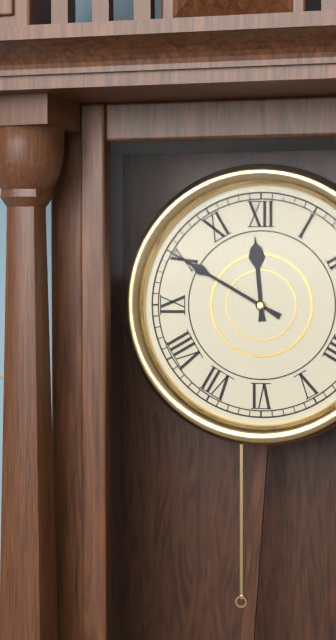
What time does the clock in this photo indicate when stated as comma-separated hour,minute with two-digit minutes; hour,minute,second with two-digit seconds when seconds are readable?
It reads 11,50
